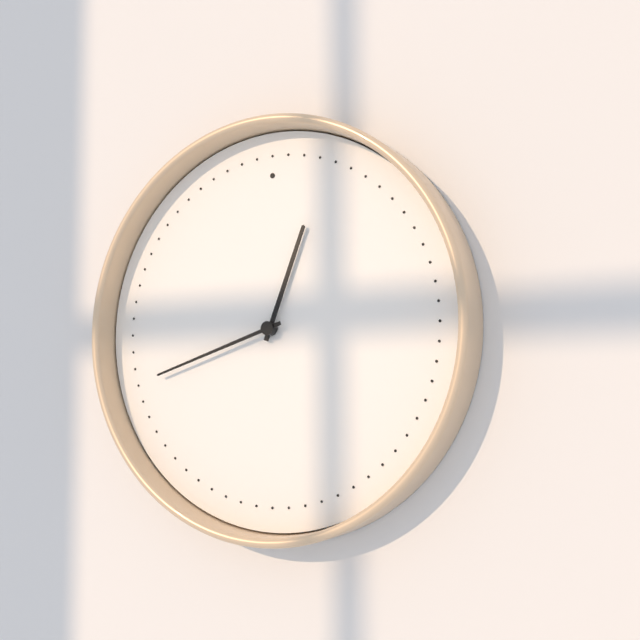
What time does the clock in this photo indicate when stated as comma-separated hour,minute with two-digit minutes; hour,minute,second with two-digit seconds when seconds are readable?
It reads 12,42
